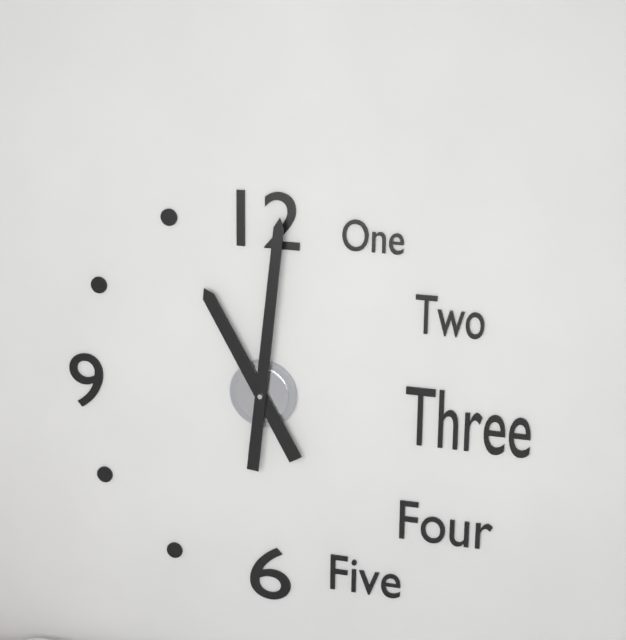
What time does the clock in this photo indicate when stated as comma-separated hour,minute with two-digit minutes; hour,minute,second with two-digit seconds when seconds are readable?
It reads 11,01
